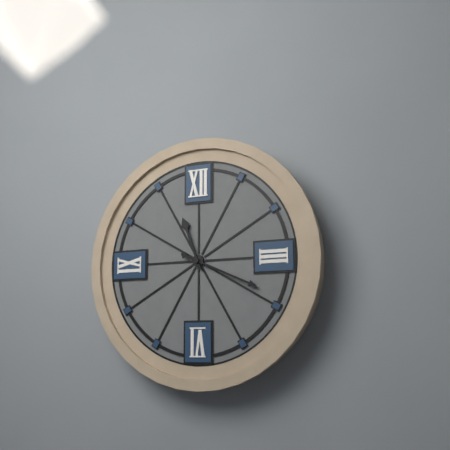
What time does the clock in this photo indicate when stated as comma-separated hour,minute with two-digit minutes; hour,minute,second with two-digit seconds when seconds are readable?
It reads 11,19
